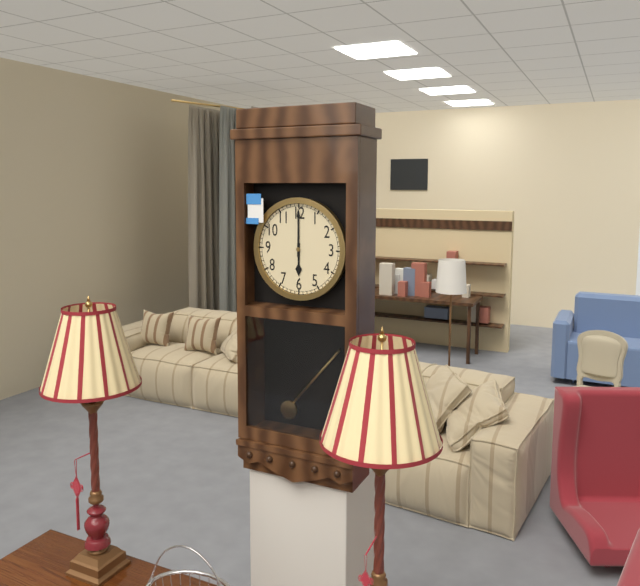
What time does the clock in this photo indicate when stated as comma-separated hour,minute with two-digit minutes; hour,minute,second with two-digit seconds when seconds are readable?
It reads 6,00
